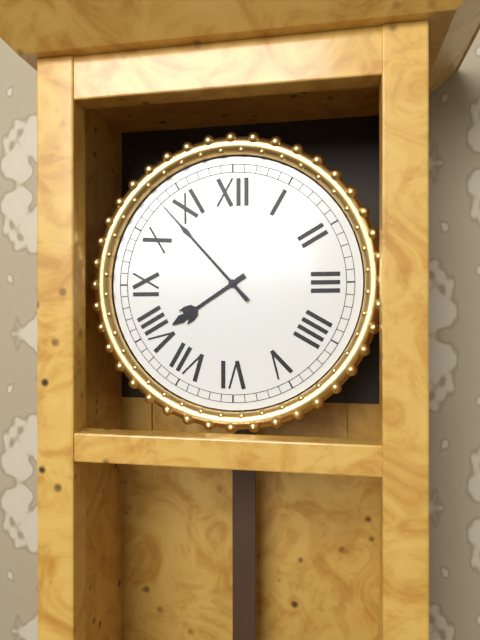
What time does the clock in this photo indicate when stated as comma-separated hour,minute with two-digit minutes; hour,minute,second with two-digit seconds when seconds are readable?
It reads 7,53
